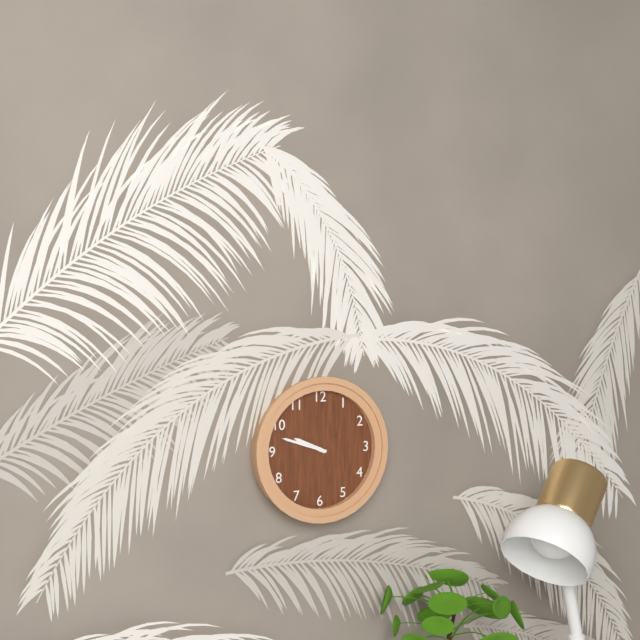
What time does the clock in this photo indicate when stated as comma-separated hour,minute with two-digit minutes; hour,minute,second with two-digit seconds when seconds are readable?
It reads 9,48
